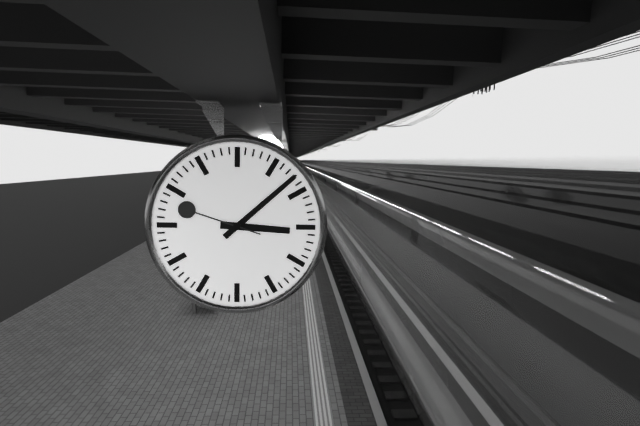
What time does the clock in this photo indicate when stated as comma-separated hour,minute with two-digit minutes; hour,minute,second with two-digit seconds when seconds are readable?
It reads 3,08,48
